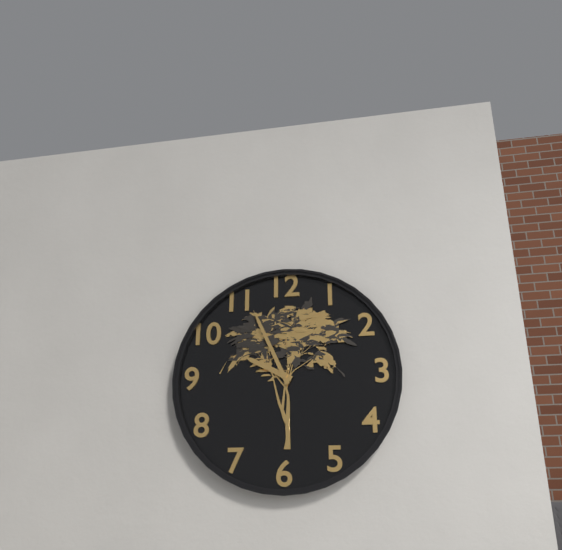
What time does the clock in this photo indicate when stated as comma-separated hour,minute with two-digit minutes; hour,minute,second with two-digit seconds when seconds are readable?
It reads 9,56
